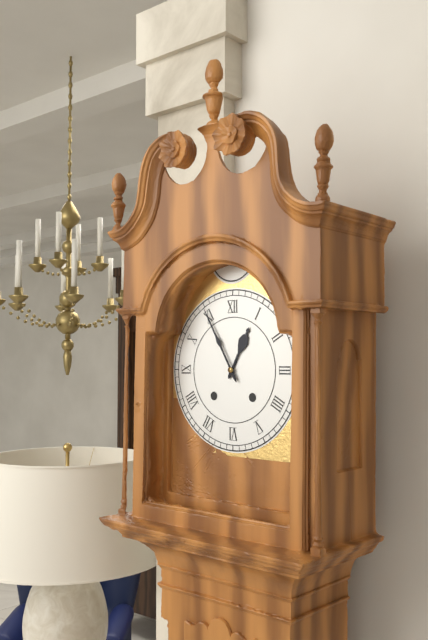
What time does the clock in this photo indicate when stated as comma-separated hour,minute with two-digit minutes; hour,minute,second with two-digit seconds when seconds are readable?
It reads 12,55
